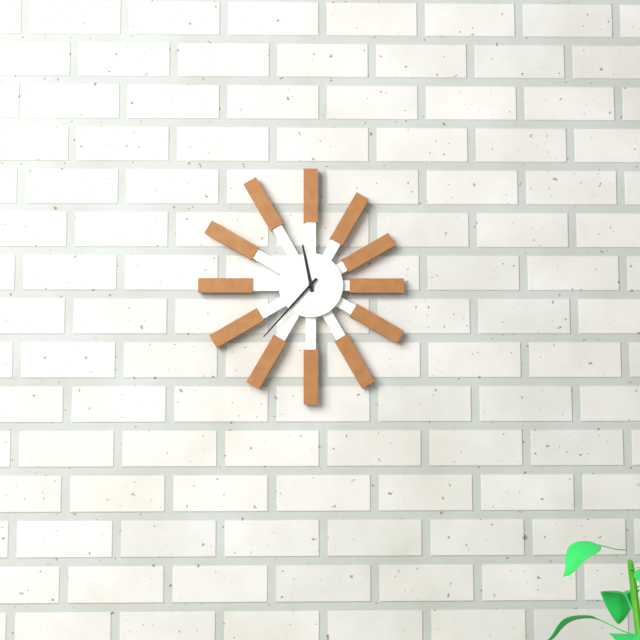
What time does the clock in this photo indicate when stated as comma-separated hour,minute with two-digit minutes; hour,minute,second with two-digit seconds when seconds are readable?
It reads 11,37
